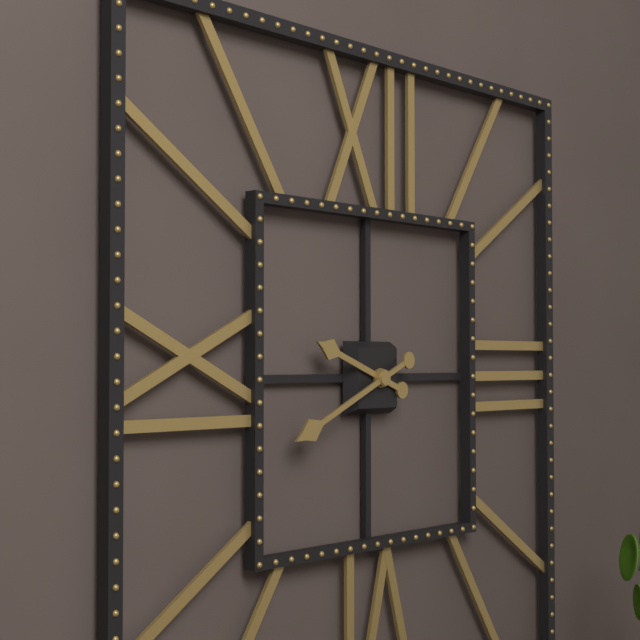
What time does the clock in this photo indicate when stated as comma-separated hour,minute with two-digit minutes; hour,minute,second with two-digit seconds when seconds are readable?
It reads 9,41
